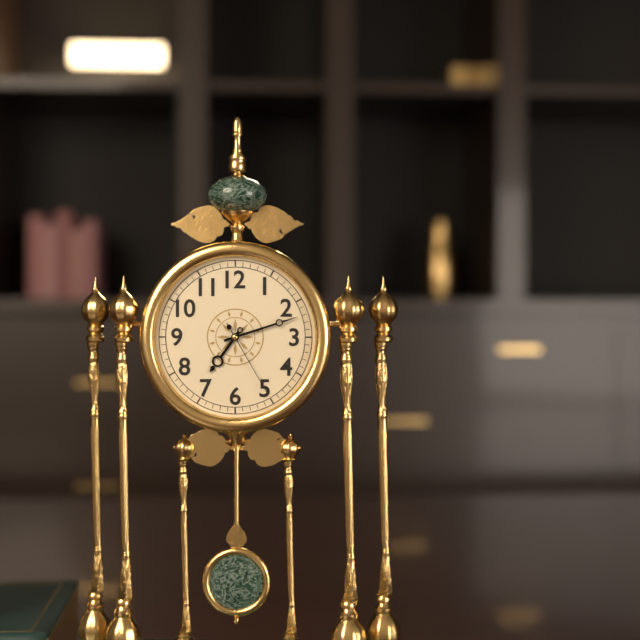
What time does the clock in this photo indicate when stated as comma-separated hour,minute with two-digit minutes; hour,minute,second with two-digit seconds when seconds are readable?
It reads 7,12,25
